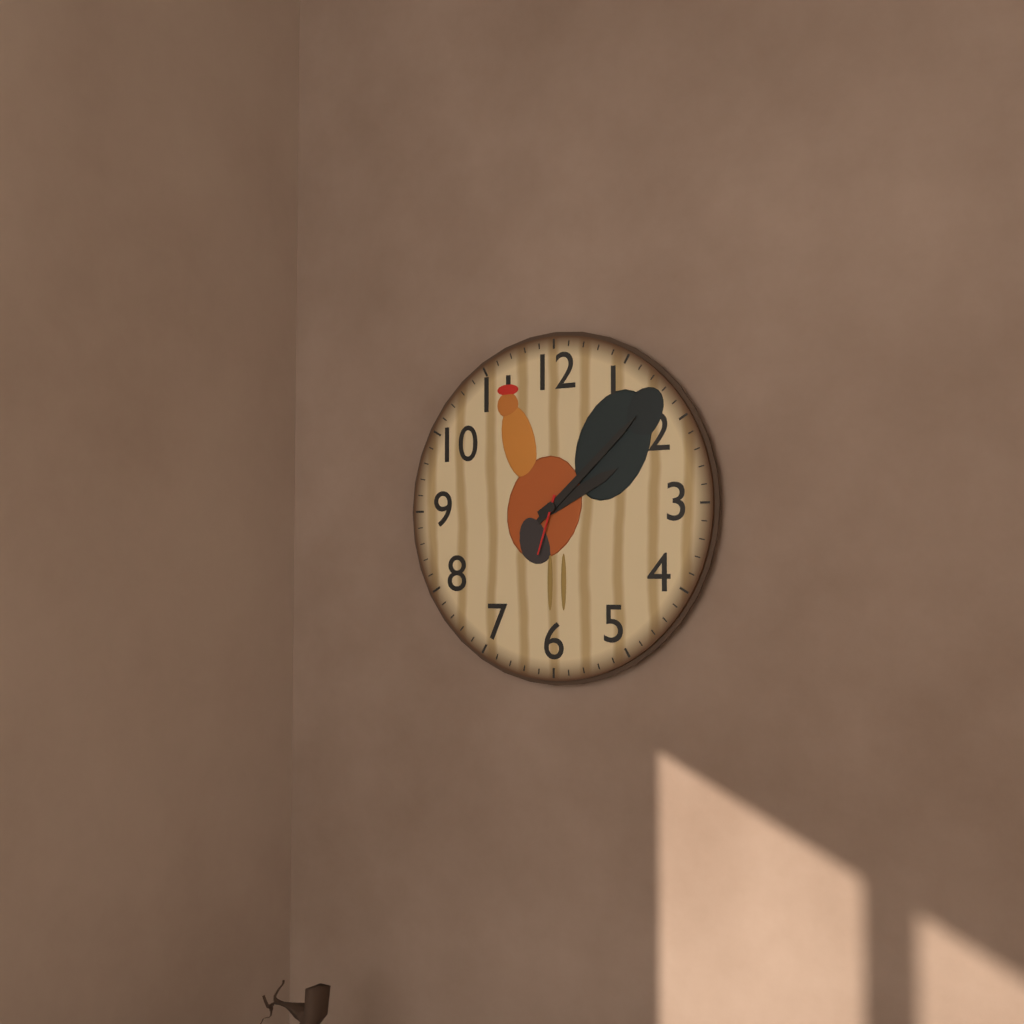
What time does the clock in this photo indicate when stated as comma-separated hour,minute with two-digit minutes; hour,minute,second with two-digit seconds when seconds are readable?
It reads 2,08,33
